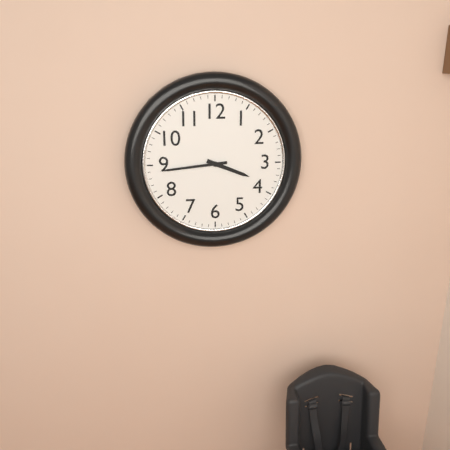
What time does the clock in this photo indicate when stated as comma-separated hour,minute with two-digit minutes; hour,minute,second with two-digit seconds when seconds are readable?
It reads 3,44
